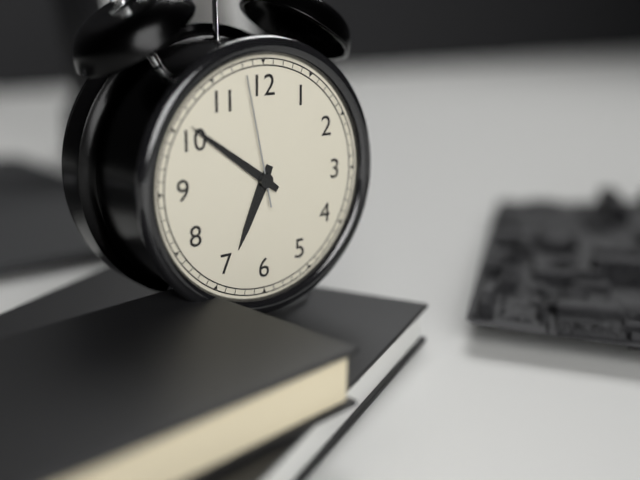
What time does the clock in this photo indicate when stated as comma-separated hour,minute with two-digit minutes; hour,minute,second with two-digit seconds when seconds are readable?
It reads 6,51,58
